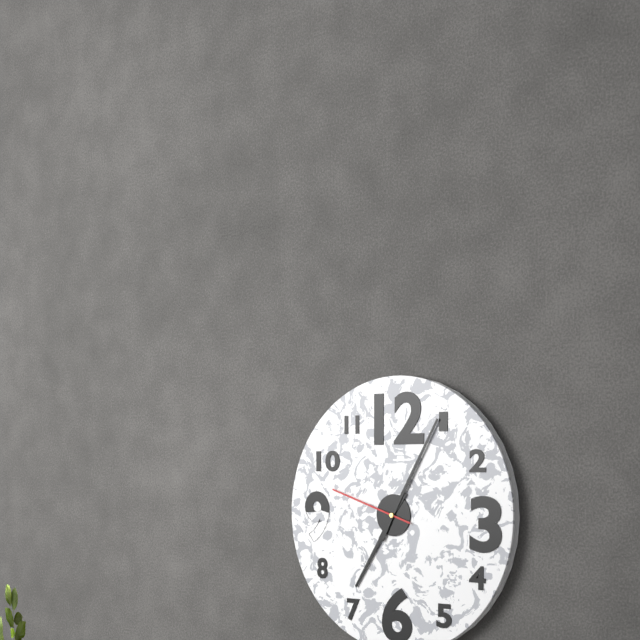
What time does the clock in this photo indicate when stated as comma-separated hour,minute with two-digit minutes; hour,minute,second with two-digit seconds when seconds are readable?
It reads 7,05,48
